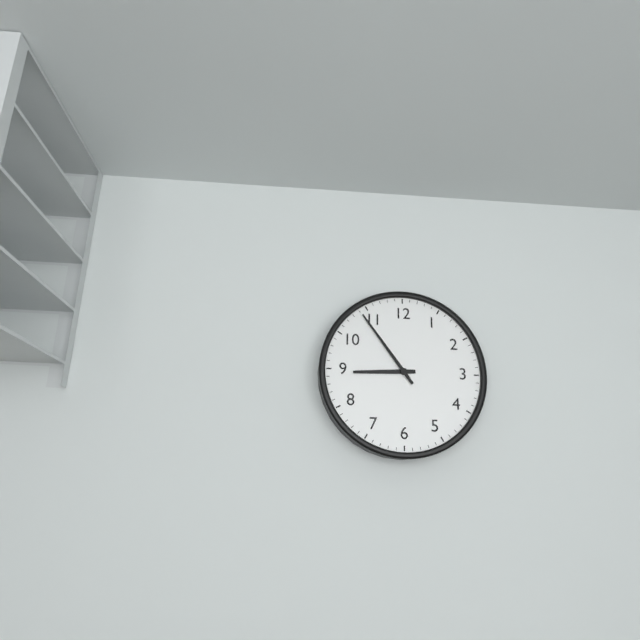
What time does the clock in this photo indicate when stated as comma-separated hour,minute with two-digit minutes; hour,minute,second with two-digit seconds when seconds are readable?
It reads 8,54
